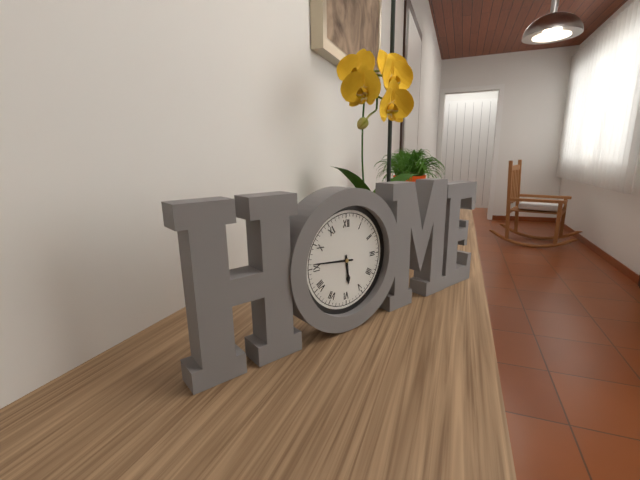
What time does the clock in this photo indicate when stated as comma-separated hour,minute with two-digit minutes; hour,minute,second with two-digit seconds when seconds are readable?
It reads 5,46
